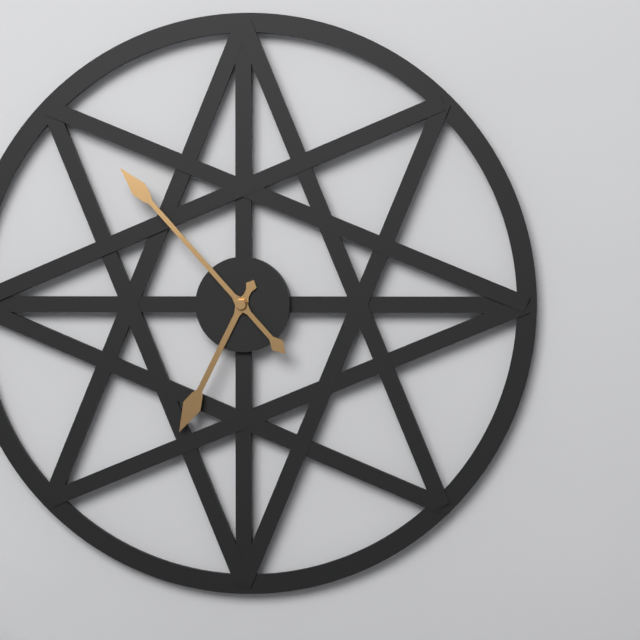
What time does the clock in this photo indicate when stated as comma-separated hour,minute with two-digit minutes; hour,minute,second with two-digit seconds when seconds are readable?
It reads 6,53
